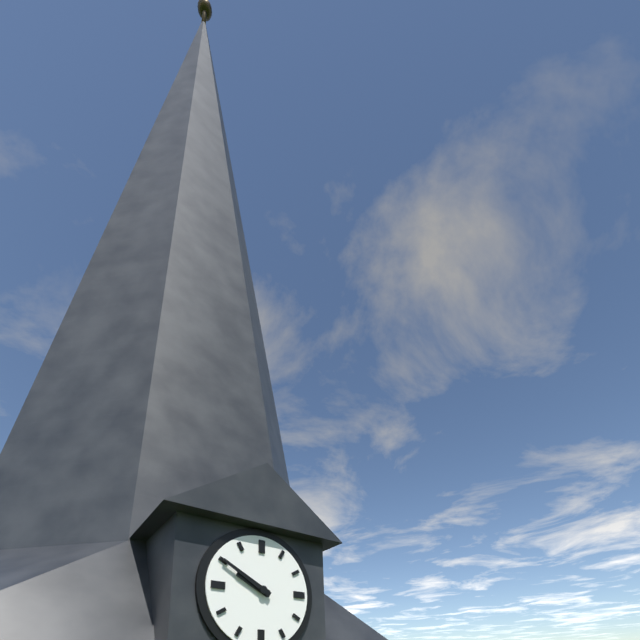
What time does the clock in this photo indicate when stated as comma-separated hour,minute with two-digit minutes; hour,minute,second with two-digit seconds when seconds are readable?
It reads 9,50
